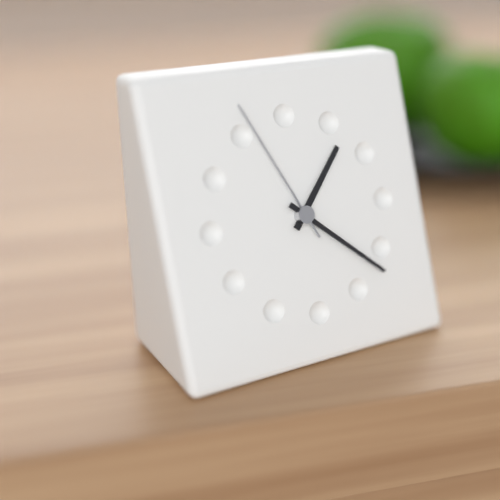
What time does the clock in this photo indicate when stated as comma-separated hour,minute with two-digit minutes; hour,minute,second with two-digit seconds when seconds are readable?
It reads 1,22,56
